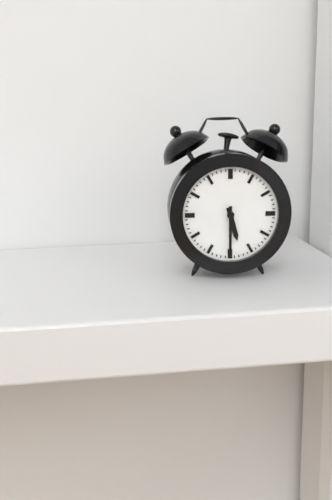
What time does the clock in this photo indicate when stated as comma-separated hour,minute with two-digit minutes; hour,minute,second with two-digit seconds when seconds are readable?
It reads 5,30
